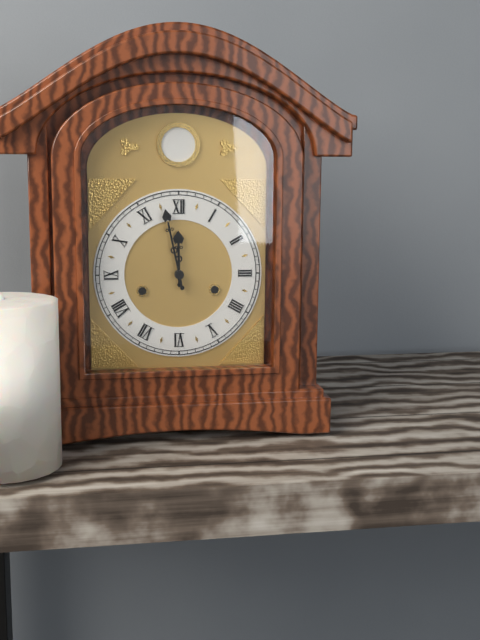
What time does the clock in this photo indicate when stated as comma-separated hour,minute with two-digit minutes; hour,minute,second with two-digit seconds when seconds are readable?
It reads 11,58
